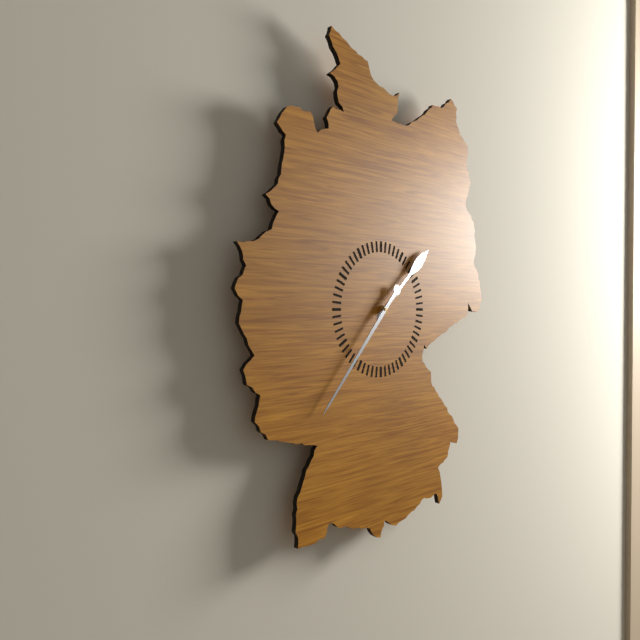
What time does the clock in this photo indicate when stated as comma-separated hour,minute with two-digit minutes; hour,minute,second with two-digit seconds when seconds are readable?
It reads 1,37
